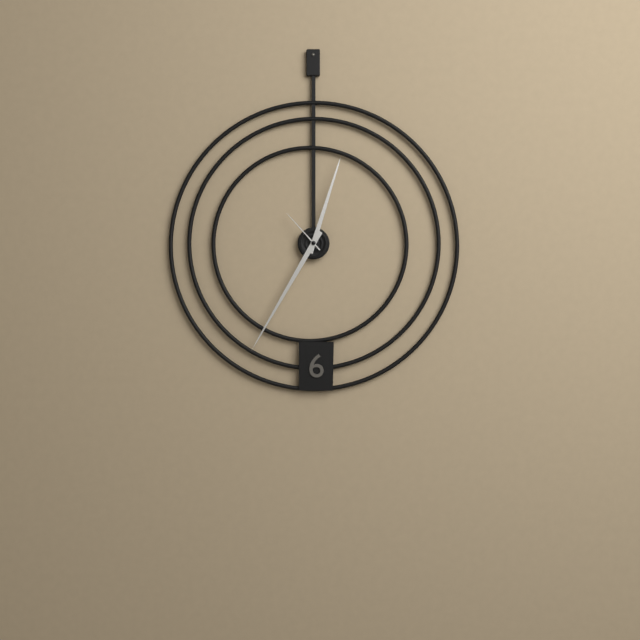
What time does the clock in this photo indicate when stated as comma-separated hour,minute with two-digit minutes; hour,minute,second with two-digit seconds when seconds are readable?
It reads 12,35,53
